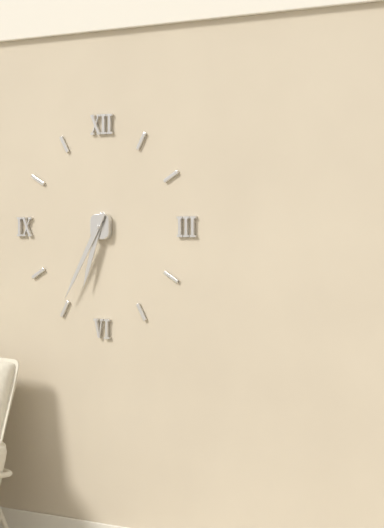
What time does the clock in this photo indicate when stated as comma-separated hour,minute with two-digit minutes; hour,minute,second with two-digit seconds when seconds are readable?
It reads 6,35
